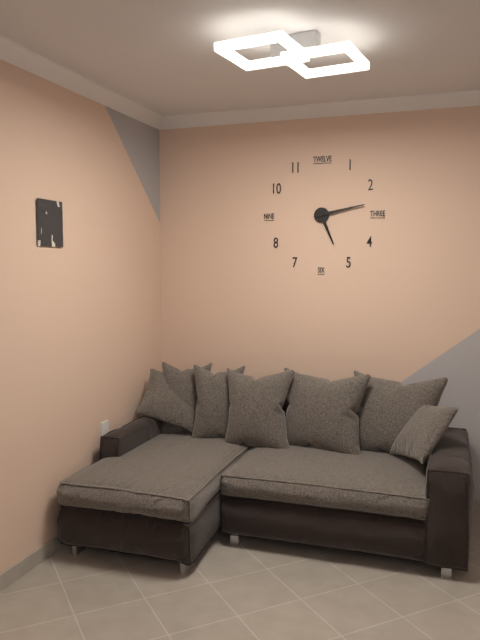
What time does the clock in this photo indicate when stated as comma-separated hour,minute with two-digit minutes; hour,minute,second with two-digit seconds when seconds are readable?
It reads 5,13
